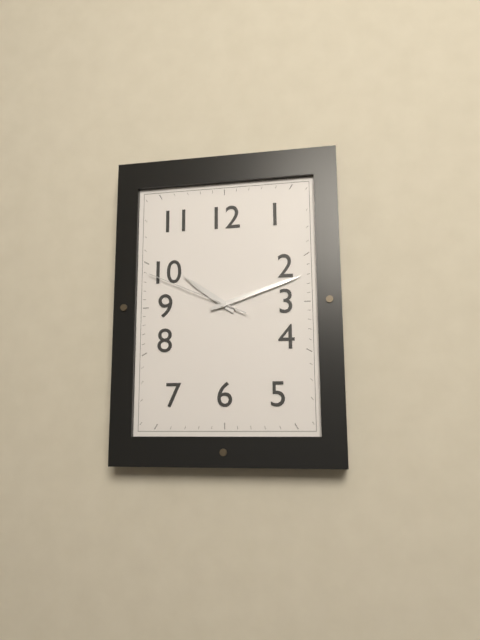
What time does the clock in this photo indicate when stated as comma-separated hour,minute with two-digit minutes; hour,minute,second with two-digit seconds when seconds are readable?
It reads 10,12,49
